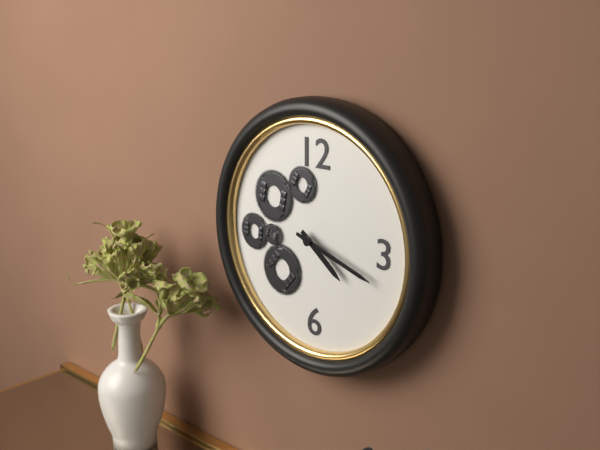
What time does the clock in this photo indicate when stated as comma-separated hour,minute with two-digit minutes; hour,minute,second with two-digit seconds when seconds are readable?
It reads 4,18
